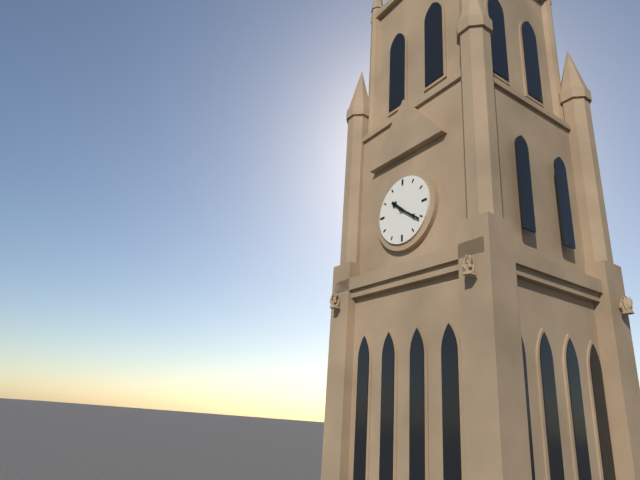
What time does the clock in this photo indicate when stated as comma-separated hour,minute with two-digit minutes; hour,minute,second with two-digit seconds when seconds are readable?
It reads 10,21
